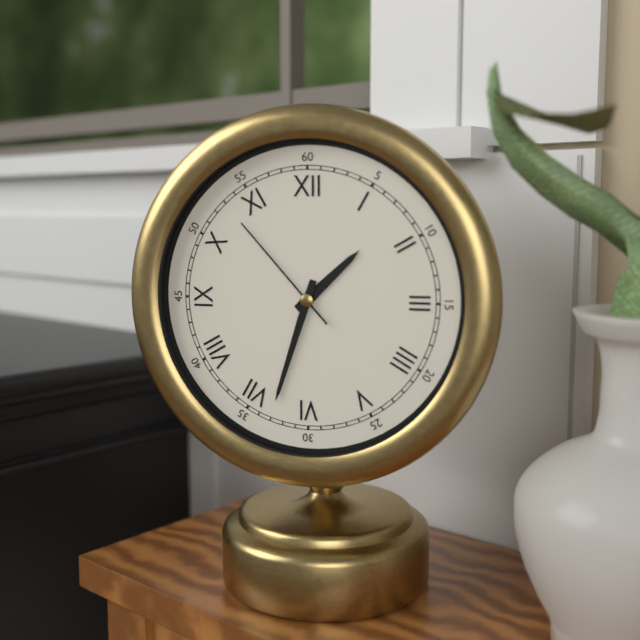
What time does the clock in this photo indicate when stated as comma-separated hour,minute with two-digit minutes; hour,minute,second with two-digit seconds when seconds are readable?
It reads 1,33,53
